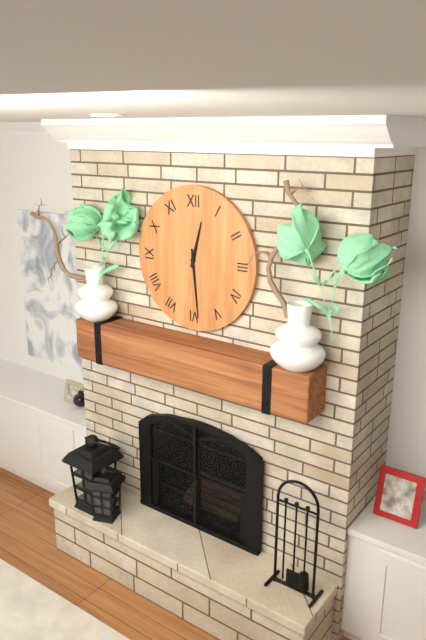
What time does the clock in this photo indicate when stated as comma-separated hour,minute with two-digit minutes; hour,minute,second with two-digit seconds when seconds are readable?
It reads 12,29
